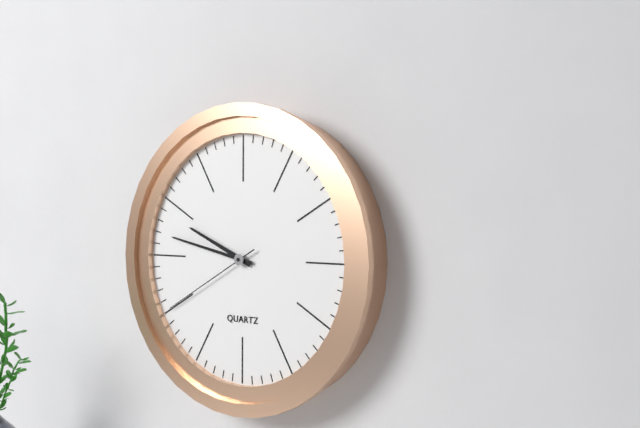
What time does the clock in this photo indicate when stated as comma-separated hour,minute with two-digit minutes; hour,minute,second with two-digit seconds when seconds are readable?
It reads 9,47,40
